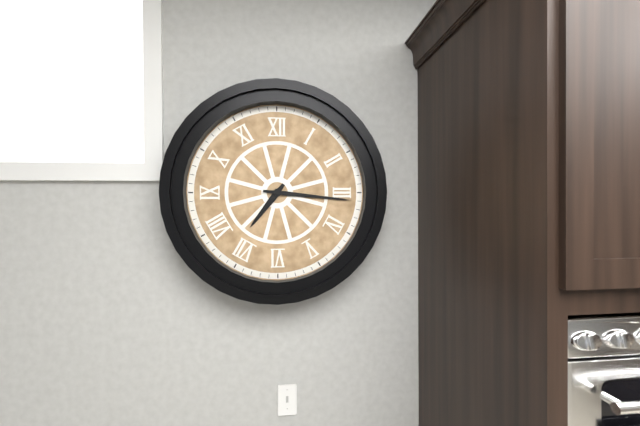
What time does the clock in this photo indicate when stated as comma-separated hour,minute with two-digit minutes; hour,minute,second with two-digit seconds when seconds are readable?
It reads 7,16
